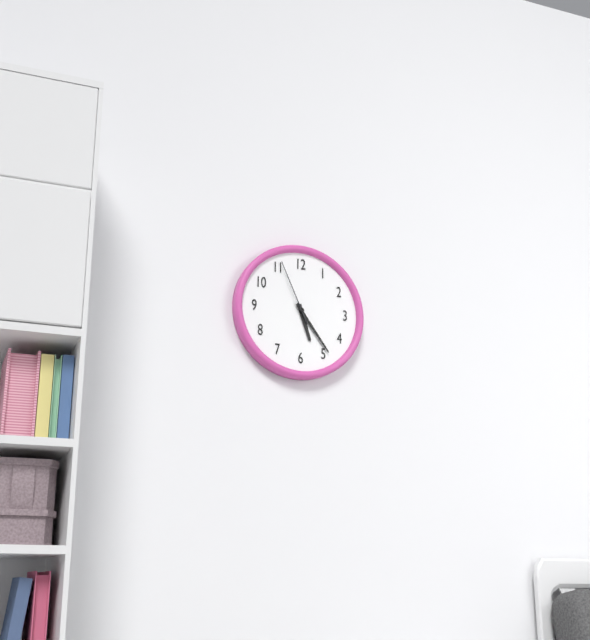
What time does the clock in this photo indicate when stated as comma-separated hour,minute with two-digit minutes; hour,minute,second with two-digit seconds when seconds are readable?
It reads 5,24,56
